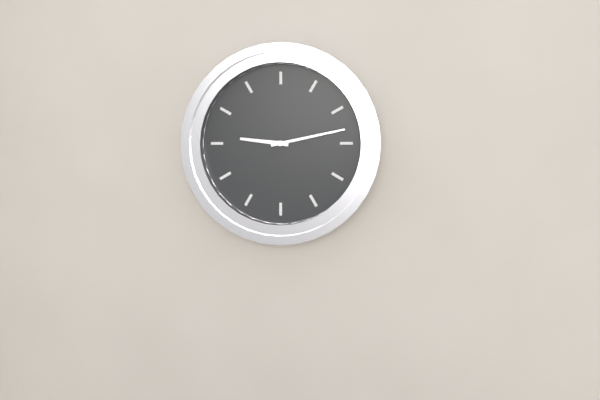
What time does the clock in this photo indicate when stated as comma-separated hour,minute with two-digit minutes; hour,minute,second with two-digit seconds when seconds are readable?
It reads 9,13
